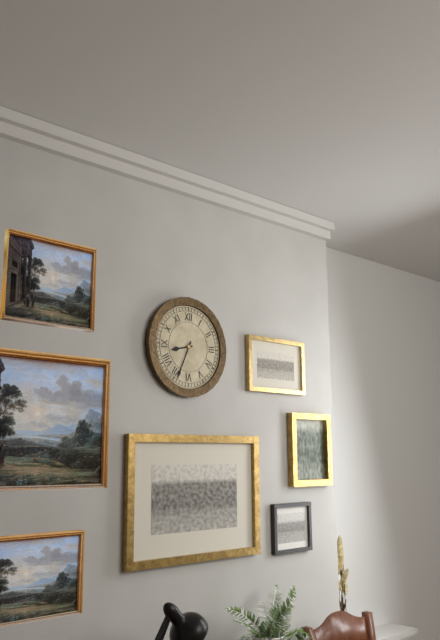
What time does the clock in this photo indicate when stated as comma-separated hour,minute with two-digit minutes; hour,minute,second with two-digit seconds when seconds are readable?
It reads 8,34
